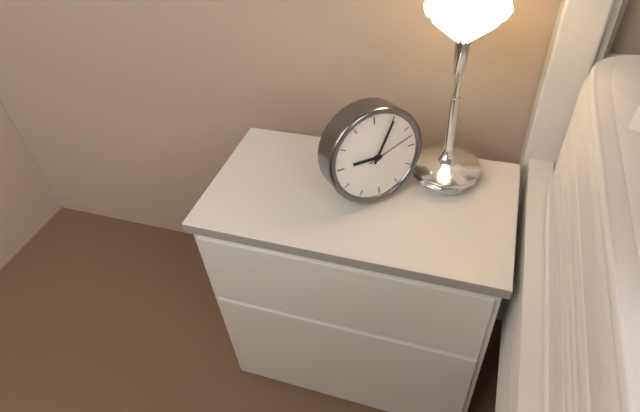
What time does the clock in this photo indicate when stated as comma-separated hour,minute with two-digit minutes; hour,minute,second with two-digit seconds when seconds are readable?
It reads 9,05,12
